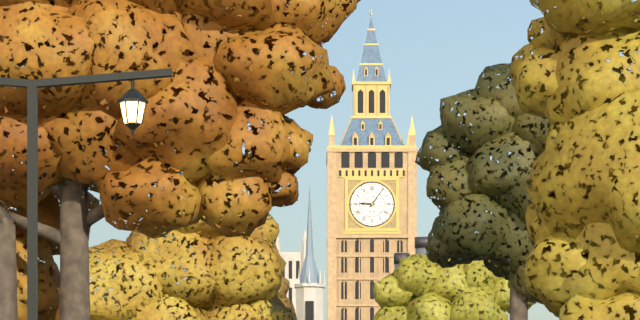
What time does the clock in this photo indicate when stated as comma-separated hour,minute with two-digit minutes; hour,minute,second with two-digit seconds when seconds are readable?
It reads 9,06
